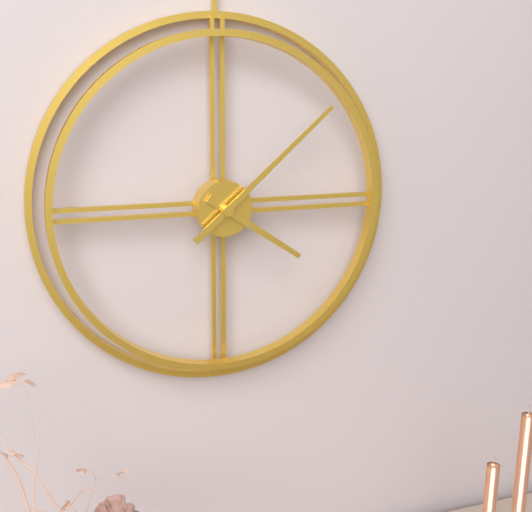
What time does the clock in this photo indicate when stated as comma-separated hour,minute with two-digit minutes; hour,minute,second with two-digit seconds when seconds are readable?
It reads 4,08
